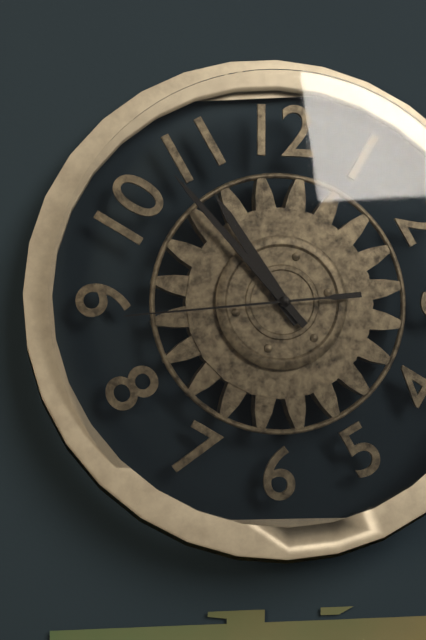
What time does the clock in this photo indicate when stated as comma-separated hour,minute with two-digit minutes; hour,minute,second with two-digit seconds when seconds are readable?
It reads 10,53,44
